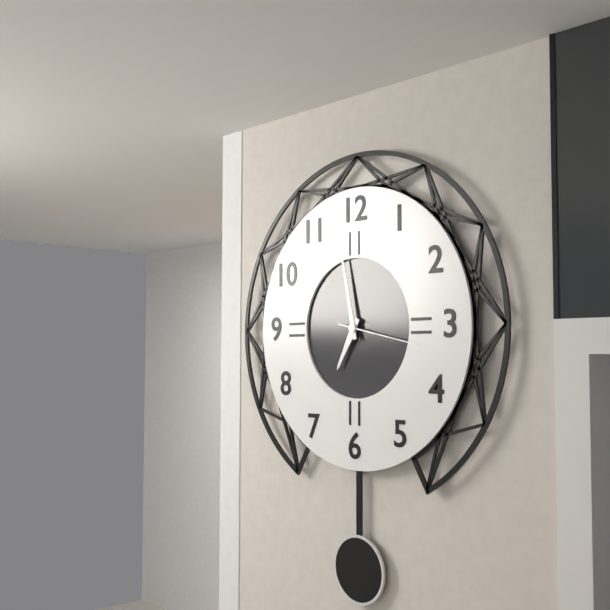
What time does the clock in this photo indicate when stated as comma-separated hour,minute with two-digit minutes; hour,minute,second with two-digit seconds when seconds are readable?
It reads 6,58,17
